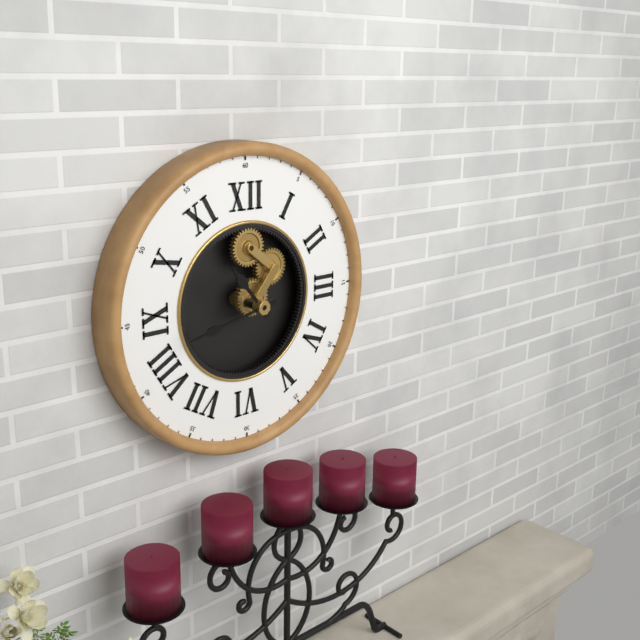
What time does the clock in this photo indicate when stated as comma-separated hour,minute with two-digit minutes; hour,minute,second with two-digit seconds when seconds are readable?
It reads 10,43
